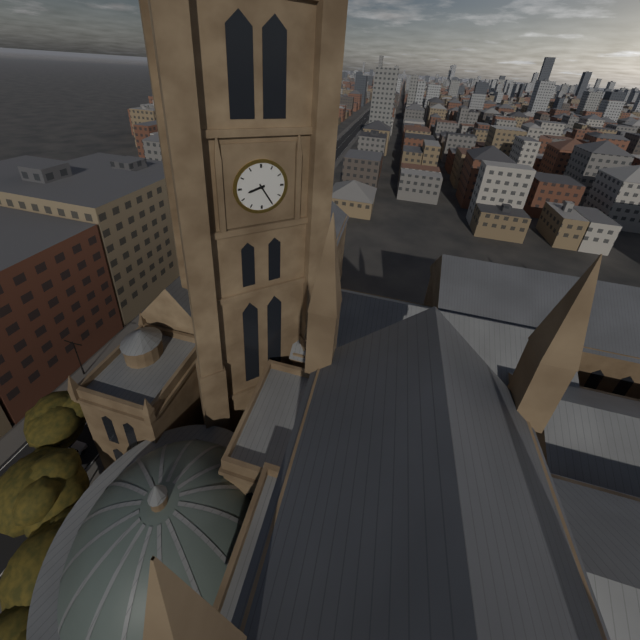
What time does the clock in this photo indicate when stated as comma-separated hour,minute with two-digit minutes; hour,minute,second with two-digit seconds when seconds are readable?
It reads 8,25
